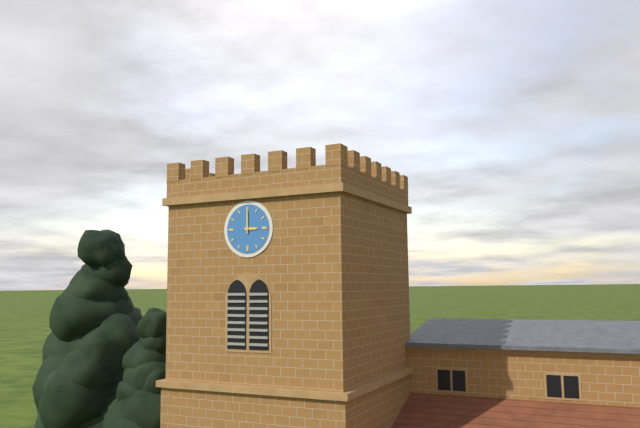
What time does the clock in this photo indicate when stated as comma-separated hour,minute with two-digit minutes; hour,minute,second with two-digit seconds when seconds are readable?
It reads 3,00
